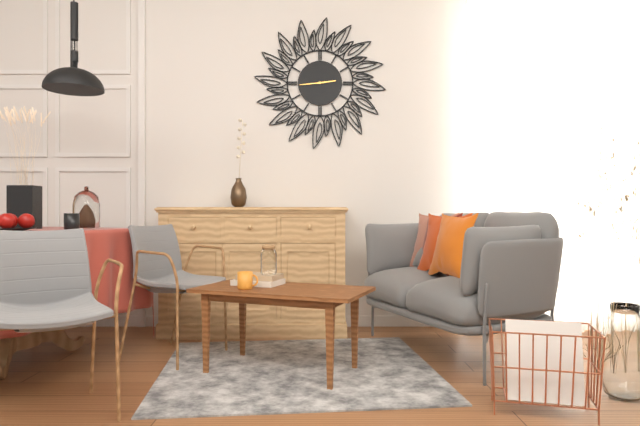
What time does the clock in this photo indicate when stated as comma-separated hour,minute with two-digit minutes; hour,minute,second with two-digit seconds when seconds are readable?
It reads 2,44
